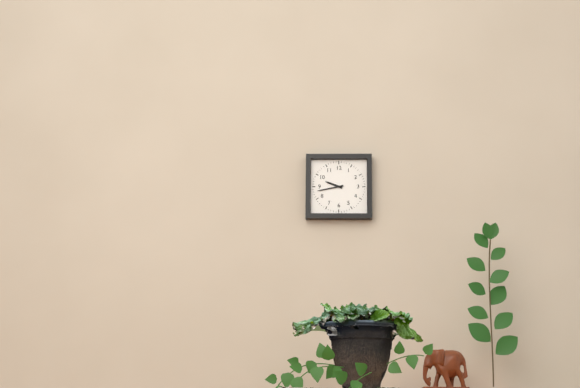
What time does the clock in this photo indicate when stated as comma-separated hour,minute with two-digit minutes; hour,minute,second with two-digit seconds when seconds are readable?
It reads 9,43
